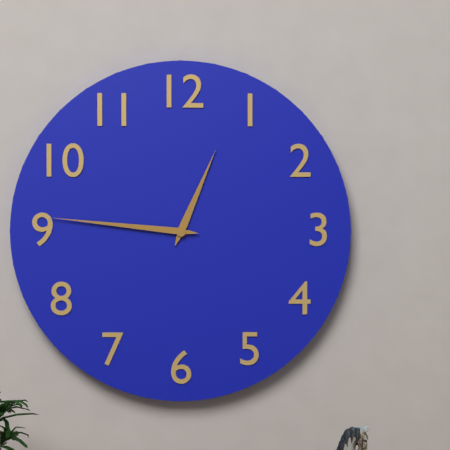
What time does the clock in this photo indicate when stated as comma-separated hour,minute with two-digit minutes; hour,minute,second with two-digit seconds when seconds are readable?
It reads 12,46
